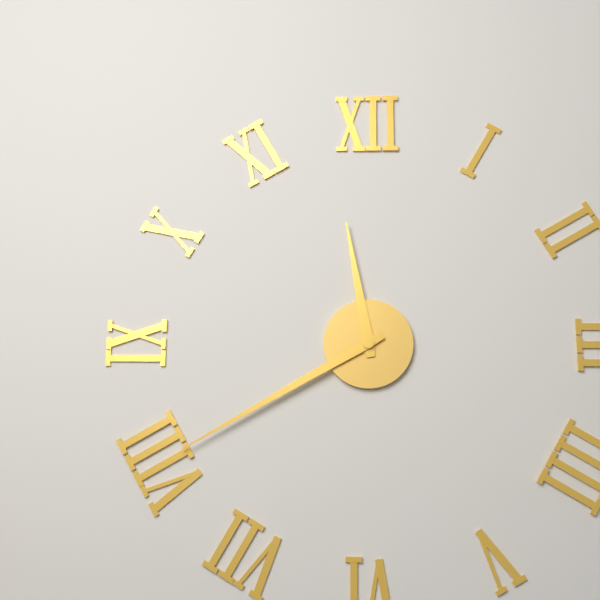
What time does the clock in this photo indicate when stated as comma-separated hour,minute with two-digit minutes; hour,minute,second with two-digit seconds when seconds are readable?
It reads 11,40
